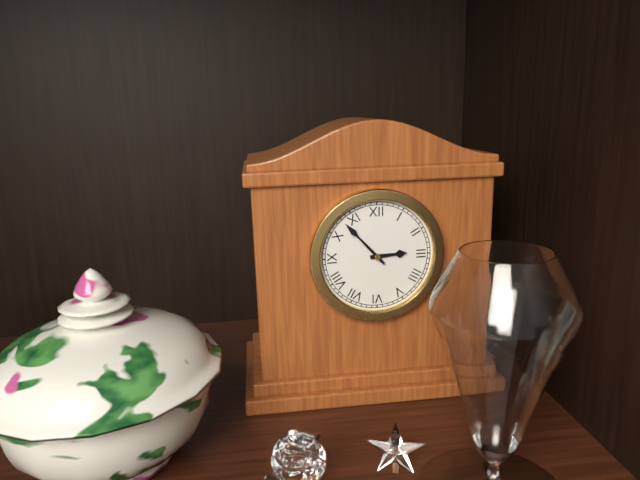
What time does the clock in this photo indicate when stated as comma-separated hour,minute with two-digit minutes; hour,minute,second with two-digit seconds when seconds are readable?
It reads 2,53
